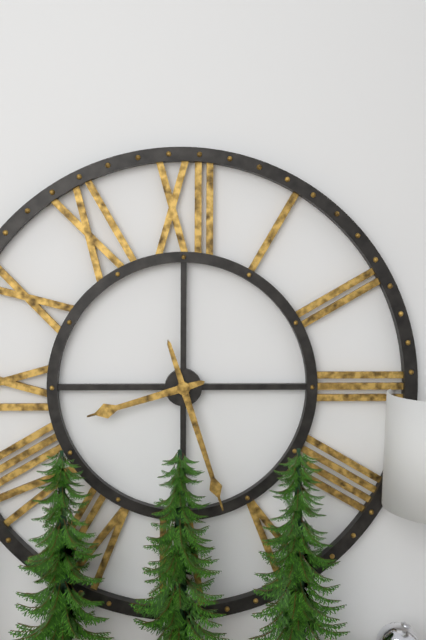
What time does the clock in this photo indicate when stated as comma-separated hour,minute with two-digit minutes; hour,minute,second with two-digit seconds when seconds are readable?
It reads 8,27
